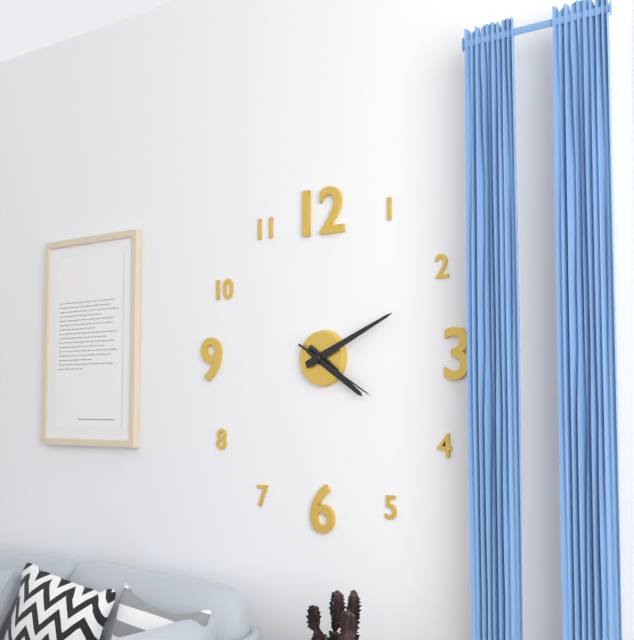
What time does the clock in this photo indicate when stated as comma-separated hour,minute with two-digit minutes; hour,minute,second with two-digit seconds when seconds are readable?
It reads 4,11,20
